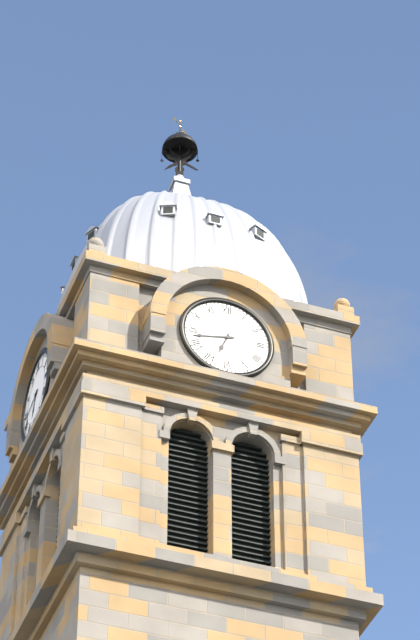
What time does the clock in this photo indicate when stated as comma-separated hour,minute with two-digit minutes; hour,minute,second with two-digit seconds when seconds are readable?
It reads 6,43
